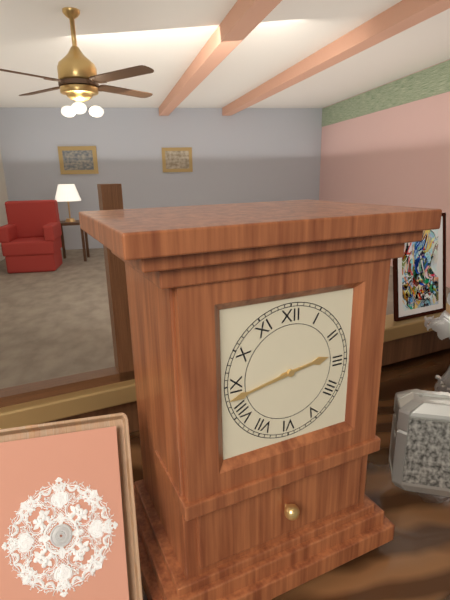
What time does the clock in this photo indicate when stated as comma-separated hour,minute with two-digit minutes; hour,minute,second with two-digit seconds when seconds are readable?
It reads 2,43
